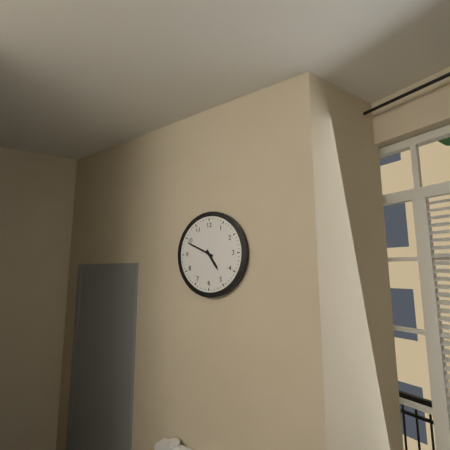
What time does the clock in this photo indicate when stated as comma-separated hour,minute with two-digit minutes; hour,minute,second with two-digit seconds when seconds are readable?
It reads 4,49
